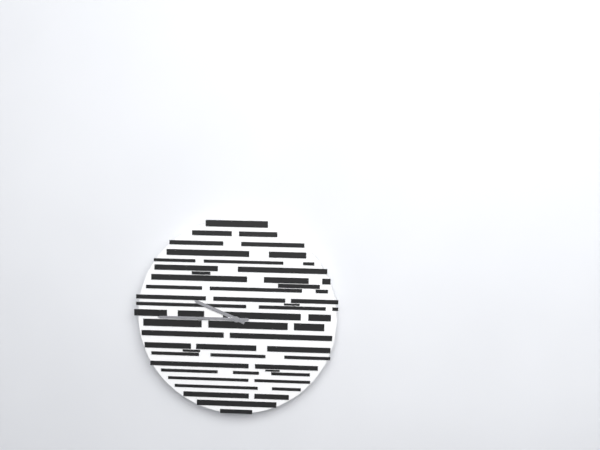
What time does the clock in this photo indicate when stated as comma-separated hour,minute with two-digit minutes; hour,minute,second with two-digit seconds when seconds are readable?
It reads 9,45
